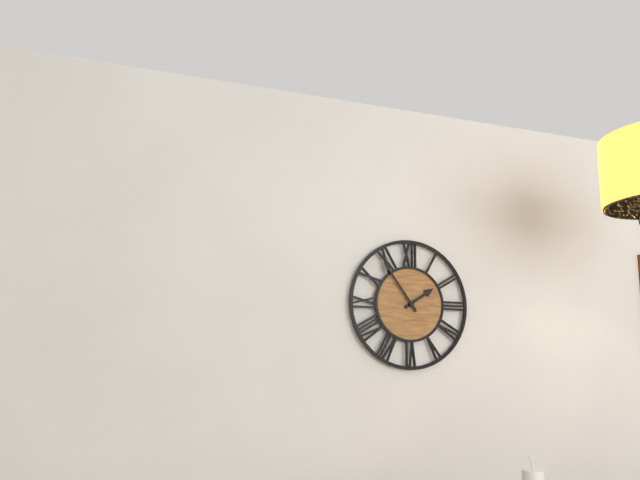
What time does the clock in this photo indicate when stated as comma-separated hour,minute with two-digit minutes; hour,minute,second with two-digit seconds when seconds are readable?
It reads 1,54
